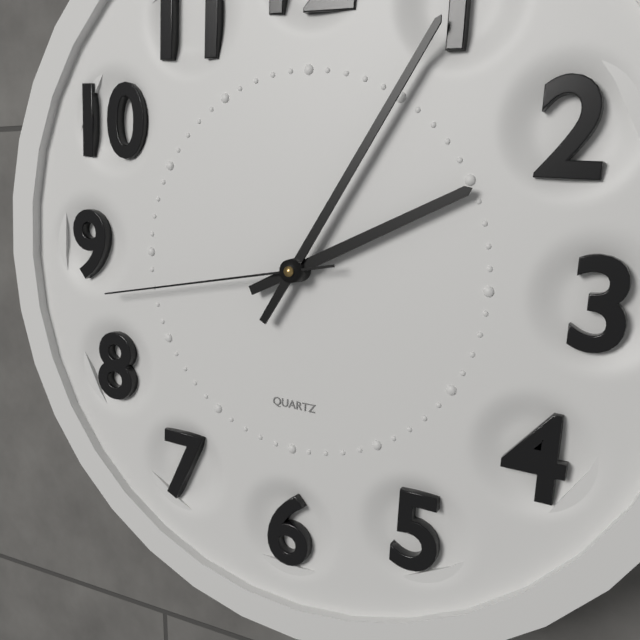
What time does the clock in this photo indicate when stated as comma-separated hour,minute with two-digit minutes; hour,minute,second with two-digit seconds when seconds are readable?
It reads 2,05,43
